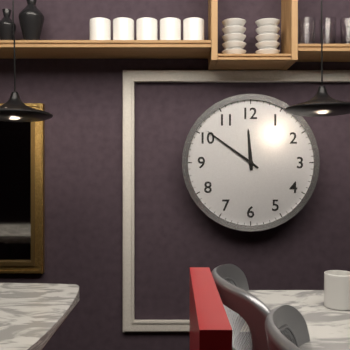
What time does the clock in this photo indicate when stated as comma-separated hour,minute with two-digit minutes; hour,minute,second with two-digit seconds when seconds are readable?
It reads 11,51
